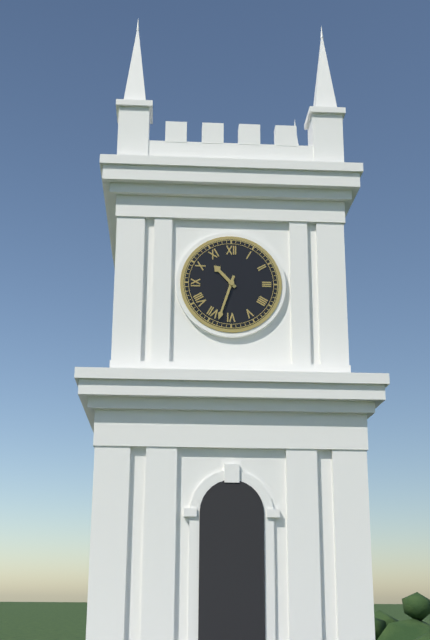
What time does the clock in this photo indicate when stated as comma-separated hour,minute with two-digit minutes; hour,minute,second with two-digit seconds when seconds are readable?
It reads 10,33
